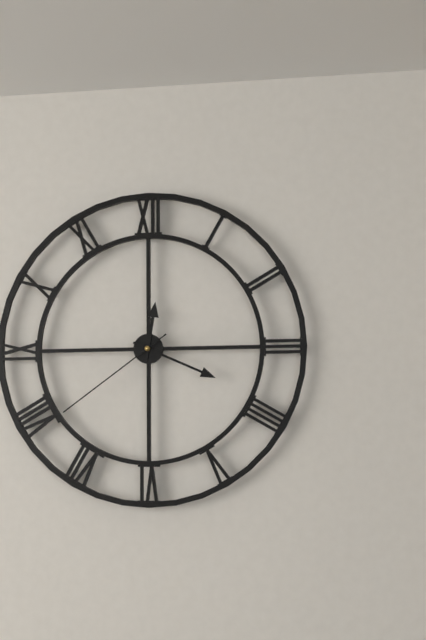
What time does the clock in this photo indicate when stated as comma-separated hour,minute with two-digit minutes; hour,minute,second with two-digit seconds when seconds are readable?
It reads 12,19,39
